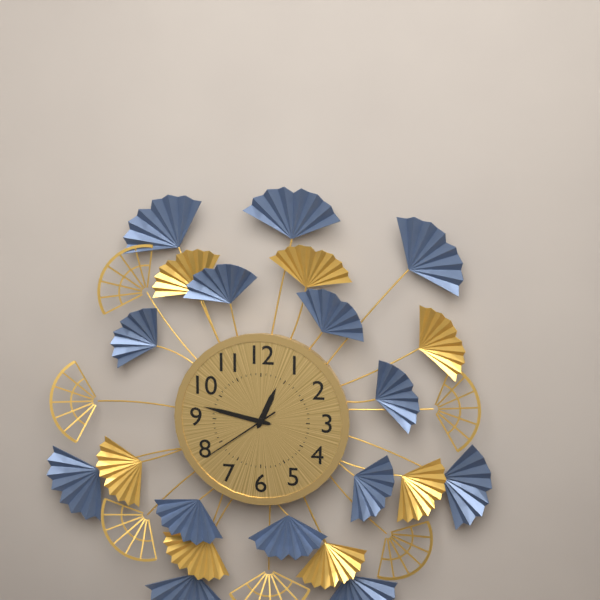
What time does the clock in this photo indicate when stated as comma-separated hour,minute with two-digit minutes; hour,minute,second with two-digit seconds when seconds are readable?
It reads 12,47,39
